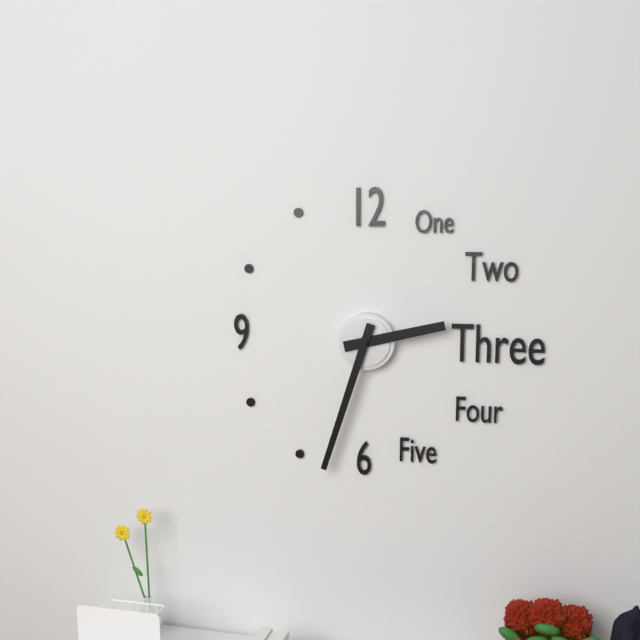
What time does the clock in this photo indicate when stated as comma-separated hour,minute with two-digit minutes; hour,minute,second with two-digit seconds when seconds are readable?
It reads 2,33
